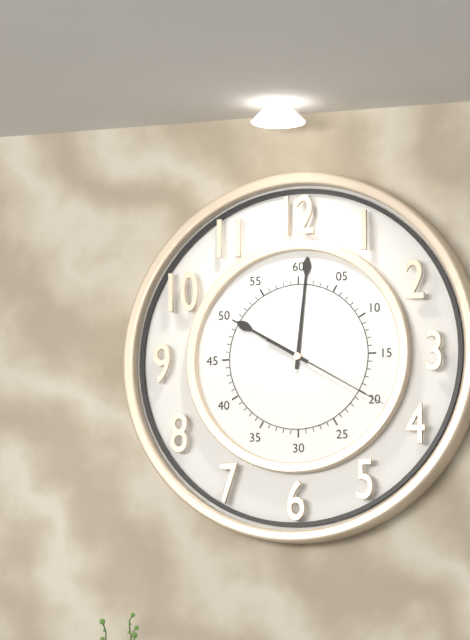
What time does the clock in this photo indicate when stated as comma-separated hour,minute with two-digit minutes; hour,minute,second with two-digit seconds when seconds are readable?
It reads 10,01,20
